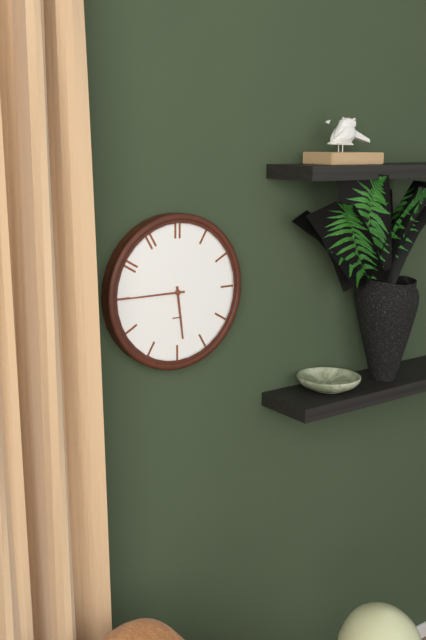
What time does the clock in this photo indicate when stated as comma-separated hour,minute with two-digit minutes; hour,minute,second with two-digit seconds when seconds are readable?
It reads 5,45
